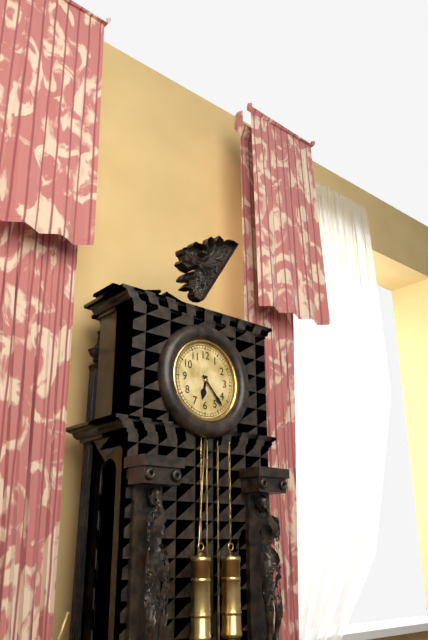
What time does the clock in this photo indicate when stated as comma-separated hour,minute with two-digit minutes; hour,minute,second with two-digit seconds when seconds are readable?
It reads 6,23
